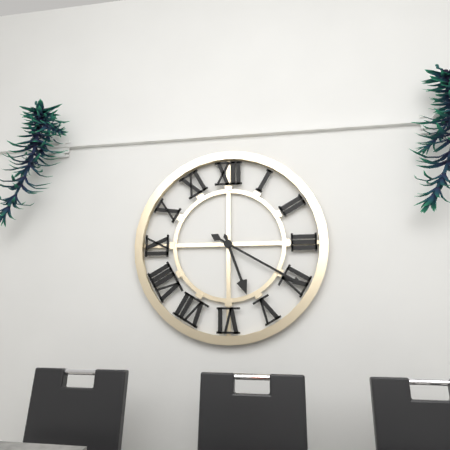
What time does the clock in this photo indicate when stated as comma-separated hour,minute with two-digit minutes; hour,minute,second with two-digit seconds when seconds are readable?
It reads 5,20
